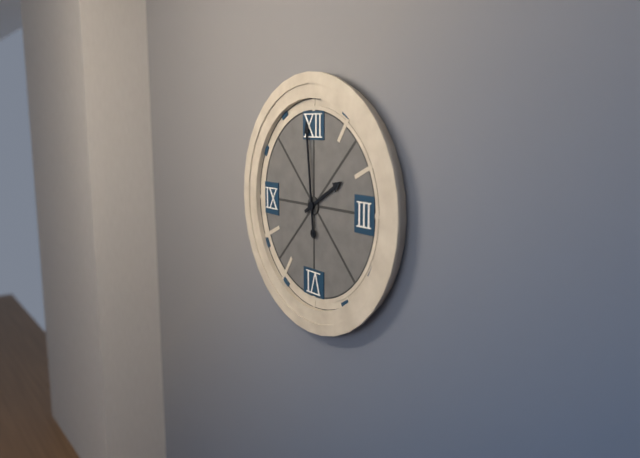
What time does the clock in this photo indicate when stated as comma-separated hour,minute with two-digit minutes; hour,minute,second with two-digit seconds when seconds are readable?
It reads 1,59
